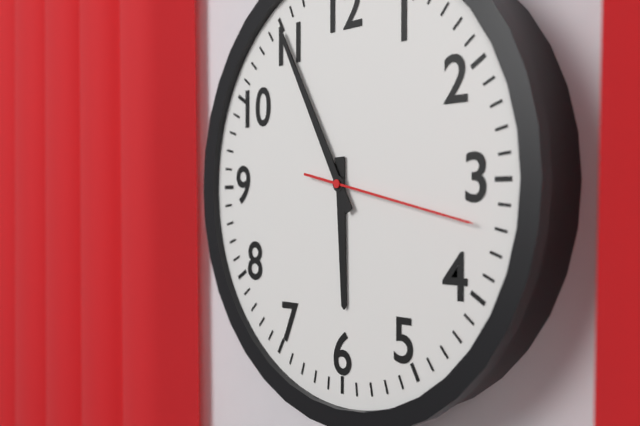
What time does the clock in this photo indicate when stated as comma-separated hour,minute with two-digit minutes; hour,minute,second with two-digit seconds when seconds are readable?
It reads 5,55,17
